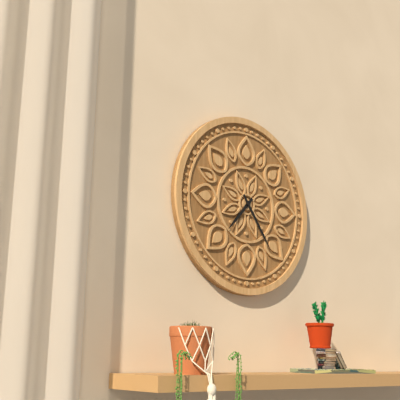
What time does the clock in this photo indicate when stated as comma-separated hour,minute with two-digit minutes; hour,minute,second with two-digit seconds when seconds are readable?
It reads 7,24
